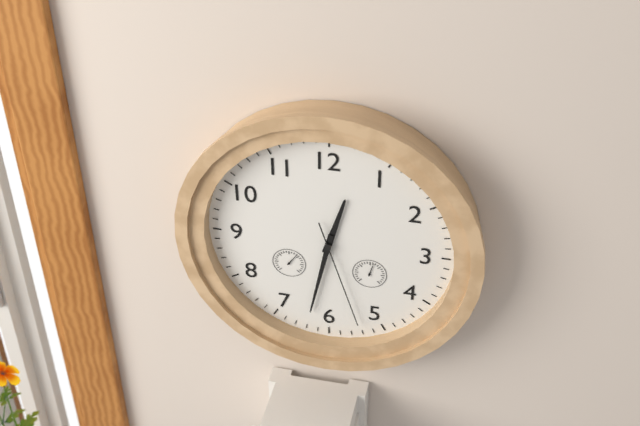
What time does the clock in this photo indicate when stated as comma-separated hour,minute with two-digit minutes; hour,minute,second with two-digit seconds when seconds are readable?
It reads 12,32,27
